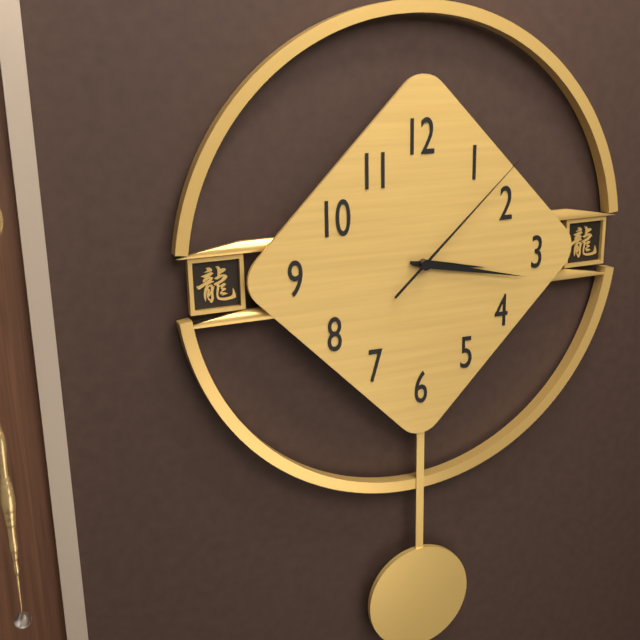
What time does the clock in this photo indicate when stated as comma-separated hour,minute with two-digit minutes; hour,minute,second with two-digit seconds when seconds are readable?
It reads 3,17,08
